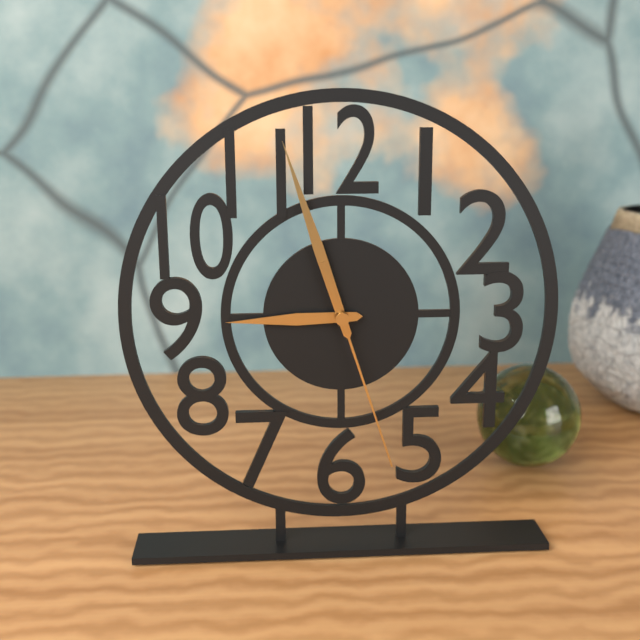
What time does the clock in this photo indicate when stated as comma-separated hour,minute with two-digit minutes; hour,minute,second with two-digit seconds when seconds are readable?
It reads 8,57,27
